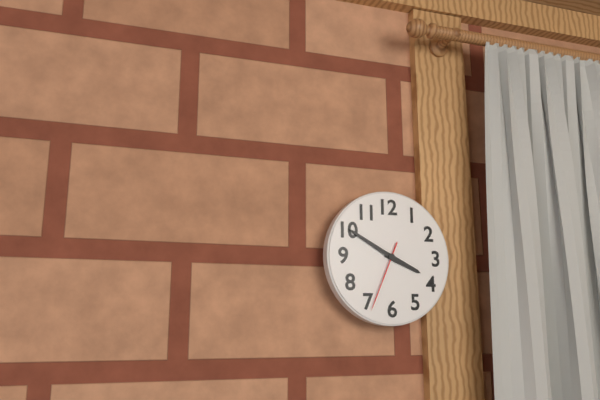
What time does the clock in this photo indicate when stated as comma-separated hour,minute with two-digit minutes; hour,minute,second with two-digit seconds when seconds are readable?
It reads 3,50,34
